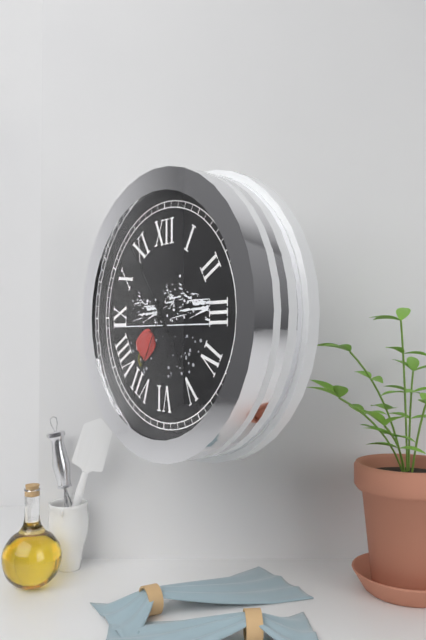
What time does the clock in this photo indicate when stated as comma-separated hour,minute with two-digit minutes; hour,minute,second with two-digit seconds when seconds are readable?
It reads 4,54,35
